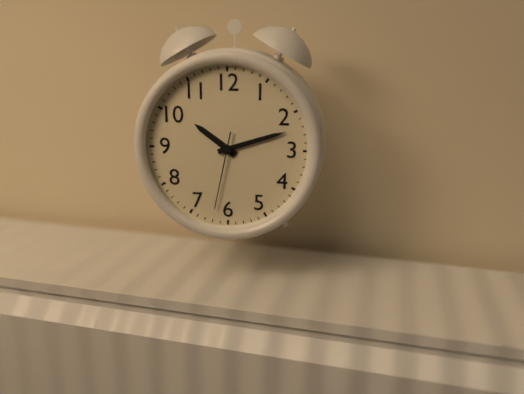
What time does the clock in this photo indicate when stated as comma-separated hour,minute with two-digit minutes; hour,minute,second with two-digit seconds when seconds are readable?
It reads 10,12,32
